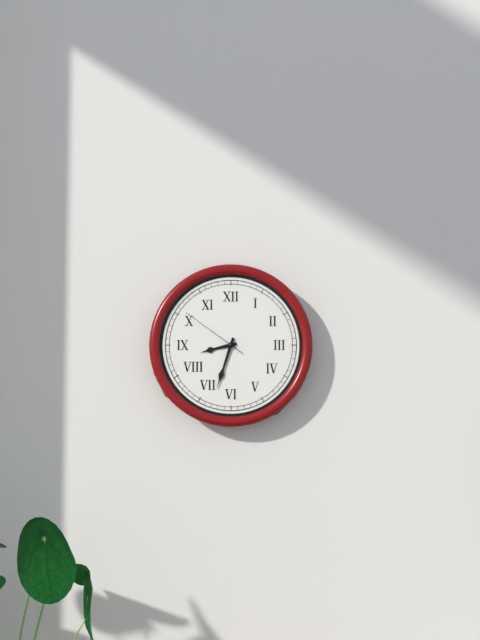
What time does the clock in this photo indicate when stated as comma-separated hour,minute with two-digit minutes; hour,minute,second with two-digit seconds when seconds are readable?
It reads 8,33,51
